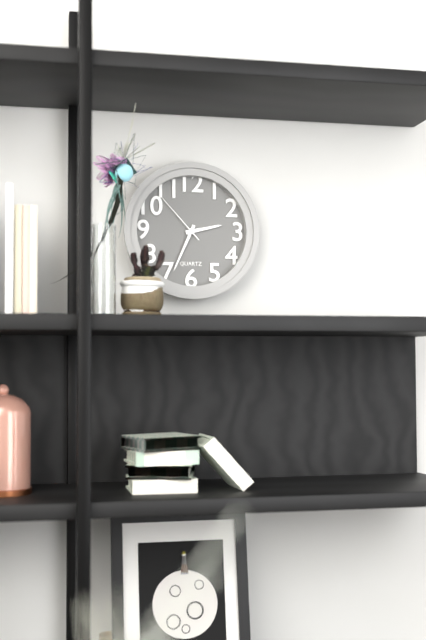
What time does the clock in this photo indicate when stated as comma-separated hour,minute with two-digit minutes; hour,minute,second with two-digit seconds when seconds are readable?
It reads 2,34,53
